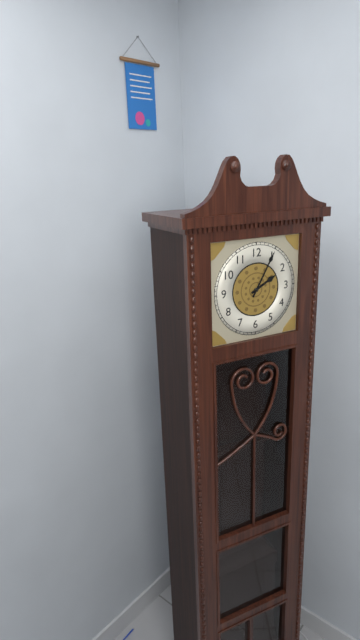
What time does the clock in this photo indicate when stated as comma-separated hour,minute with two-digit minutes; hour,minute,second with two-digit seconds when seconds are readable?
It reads 2,05
